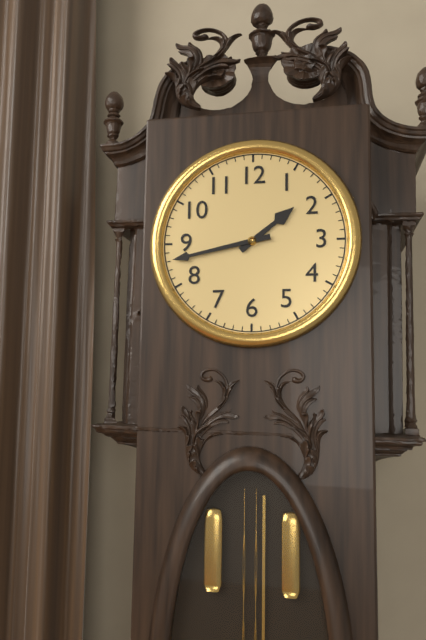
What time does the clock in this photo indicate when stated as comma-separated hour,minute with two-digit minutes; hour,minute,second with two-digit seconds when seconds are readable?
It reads 1,43
